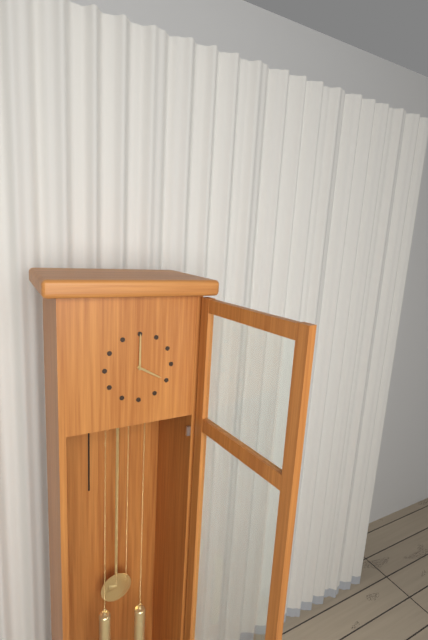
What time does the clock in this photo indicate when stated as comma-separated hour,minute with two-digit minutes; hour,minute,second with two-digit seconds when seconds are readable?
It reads 4,00
